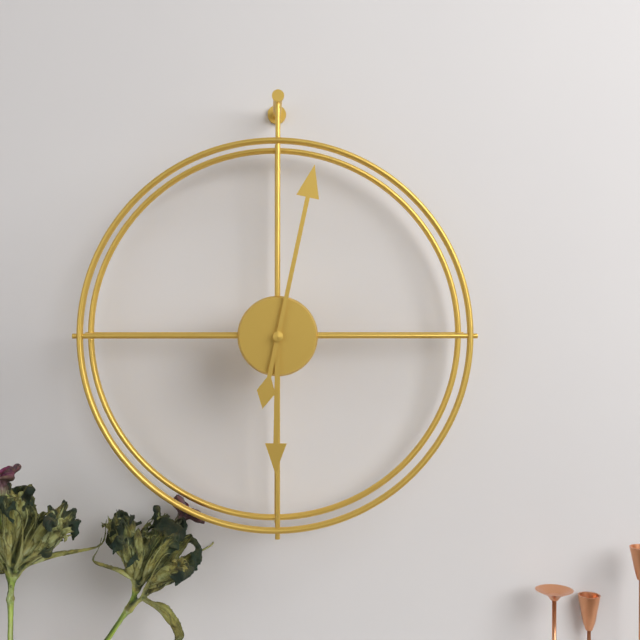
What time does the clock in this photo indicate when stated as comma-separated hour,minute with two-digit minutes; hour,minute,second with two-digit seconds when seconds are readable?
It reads 6,02
